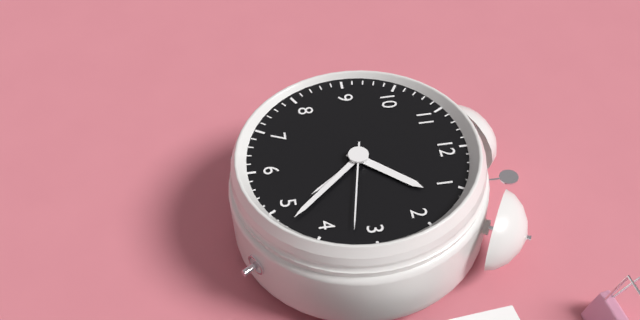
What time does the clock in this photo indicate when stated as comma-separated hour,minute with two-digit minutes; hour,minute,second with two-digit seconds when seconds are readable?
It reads 1,23,17
